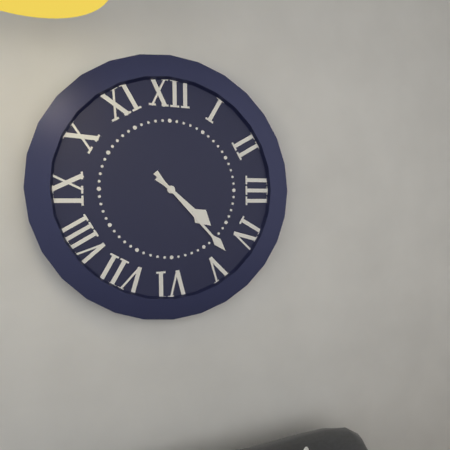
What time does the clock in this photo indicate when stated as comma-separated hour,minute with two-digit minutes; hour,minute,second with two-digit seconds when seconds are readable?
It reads 4,23
